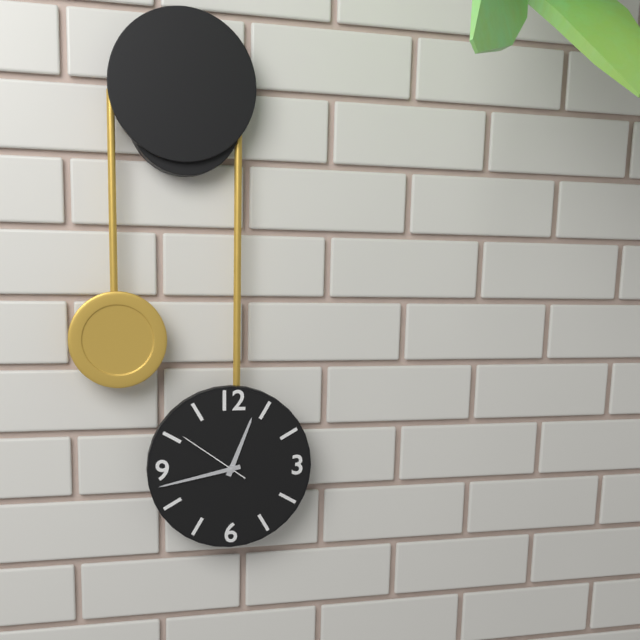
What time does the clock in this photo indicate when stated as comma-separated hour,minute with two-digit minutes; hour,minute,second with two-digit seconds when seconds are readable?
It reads 12,43,51
